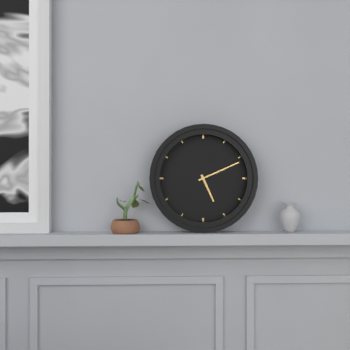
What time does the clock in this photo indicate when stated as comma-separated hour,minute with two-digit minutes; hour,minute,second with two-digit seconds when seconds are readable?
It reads 5,11
